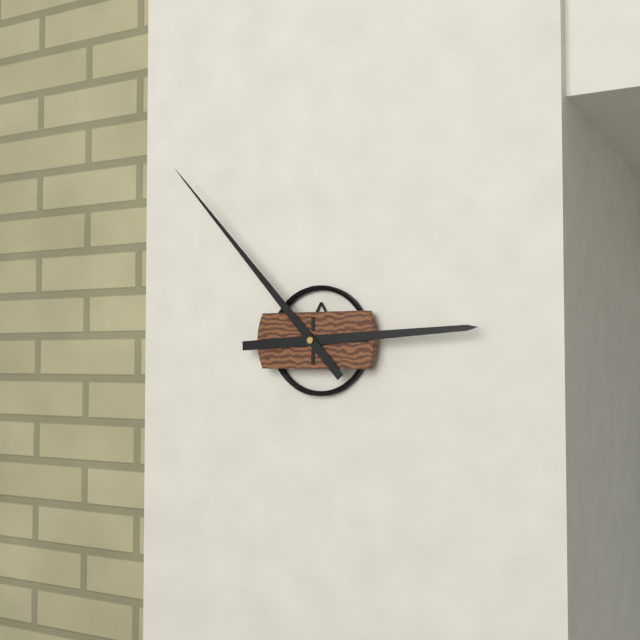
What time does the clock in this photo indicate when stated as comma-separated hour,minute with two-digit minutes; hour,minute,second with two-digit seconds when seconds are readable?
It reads 2,53
